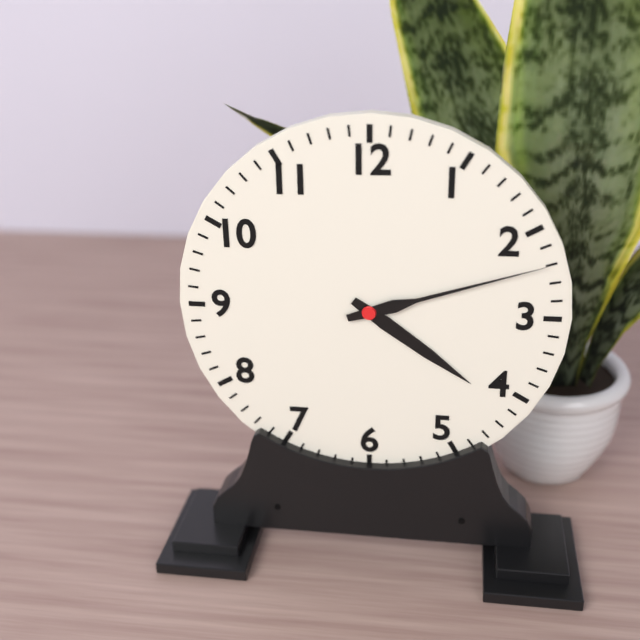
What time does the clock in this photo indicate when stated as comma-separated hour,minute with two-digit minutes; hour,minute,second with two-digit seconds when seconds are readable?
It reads 4,12
